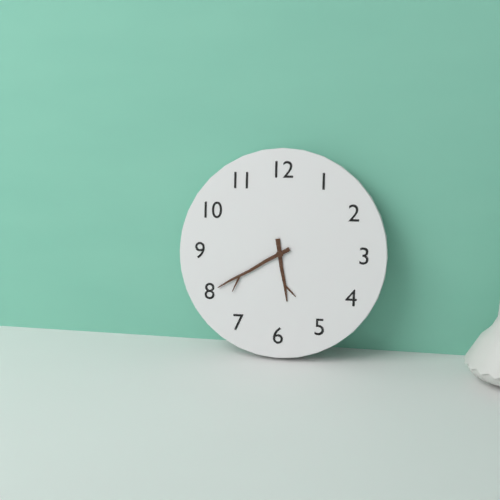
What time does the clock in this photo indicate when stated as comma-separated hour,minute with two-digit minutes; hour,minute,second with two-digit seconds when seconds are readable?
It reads 5,40
